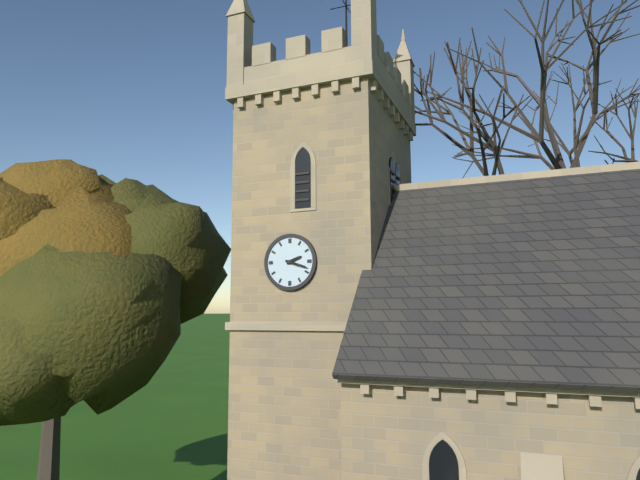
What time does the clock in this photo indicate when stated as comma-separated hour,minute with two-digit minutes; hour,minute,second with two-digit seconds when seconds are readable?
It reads 2,18
